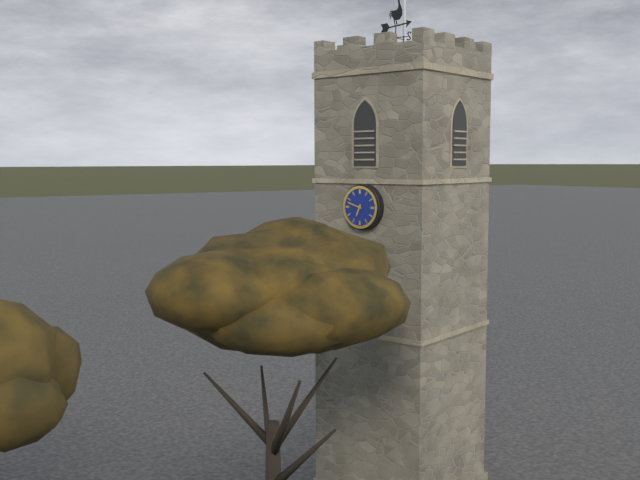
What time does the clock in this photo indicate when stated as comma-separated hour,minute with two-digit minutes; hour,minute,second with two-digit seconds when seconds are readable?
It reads 6,48
